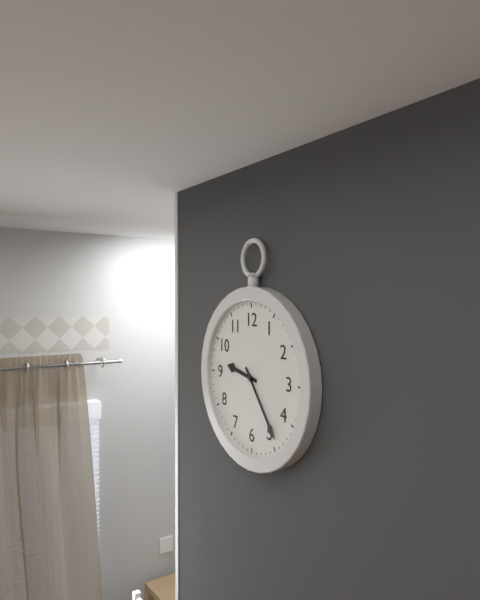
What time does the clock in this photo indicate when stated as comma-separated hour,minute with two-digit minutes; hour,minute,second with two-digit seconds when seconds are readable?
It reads 9,24
